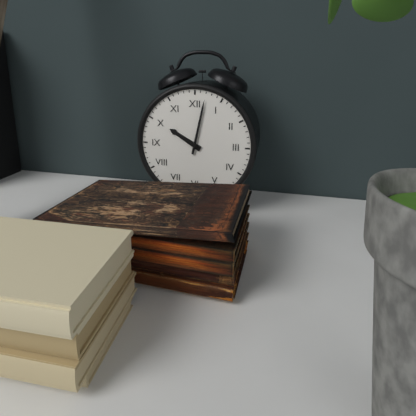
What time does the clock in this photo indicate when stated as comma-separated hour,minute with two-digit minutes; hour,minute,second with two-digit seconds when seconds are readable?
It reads 10,02
